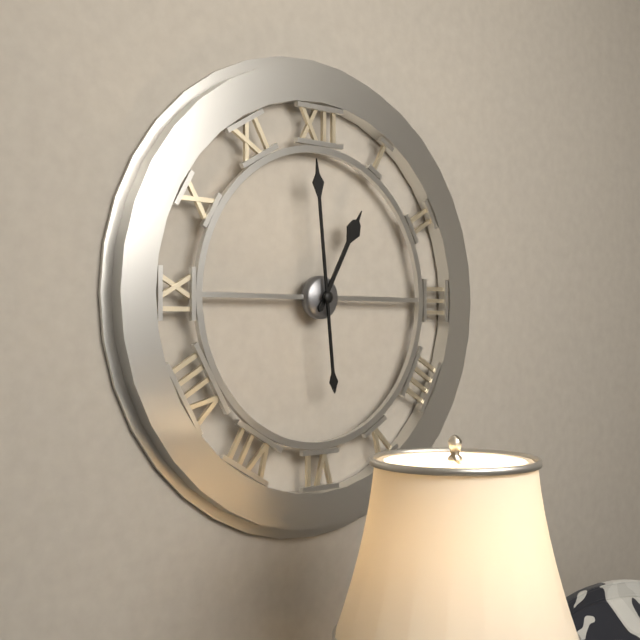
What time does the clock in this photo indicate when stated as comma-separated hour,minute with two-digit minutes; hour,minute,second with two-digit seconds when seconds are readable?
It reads 12,59
